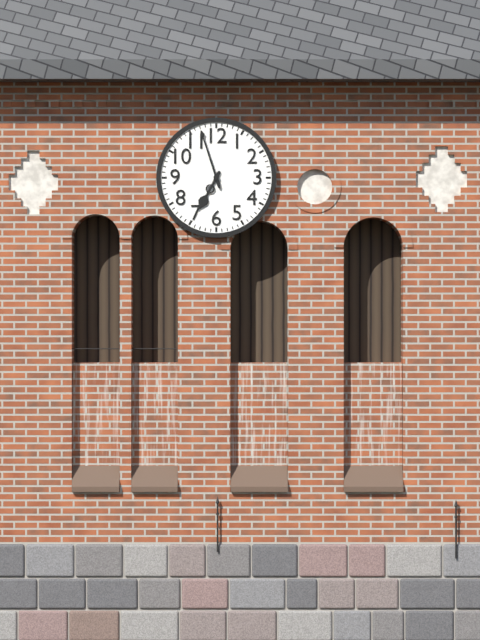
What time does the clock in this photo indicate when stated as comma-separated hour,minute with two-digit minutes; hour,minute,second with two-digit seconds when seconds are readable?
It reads 6,57
